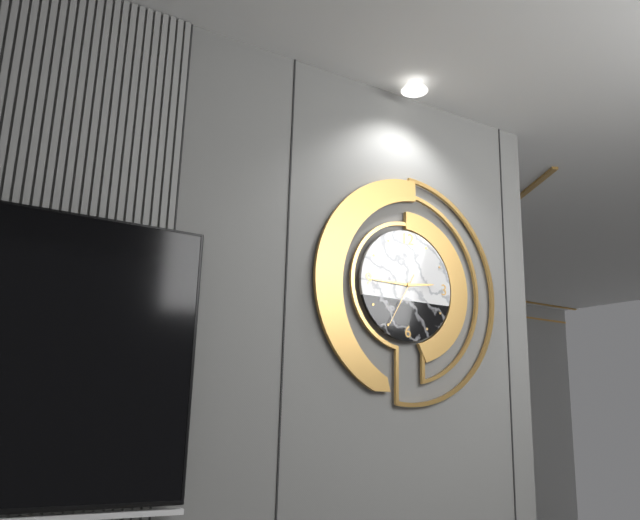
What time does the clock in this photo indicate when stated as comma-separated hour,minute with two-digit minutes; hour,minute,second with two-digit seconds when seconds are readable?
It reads 2,45,35
